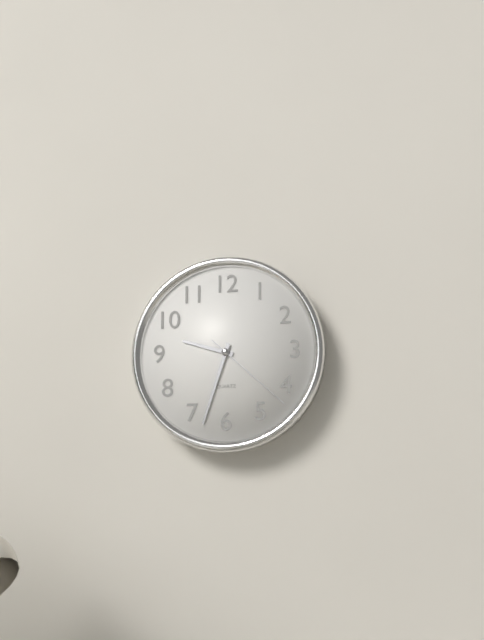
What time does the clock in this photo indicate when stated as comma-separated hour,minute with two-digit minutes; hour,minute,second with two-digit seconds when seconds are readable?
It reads 9,33,22
